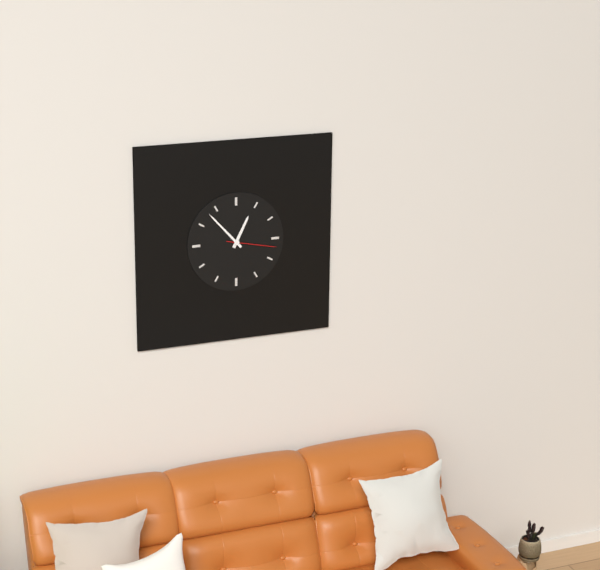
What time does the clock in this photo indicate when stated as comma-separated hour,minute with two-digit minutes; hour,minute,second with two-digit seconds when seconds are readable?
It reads 12,53,17
